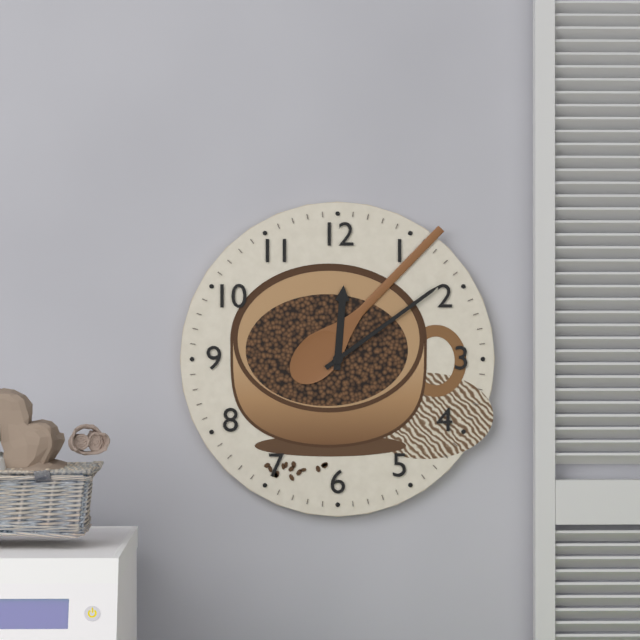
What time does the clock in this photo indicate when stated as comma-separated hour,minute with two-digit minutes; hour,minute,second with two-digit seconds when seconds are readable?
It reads 12,09
